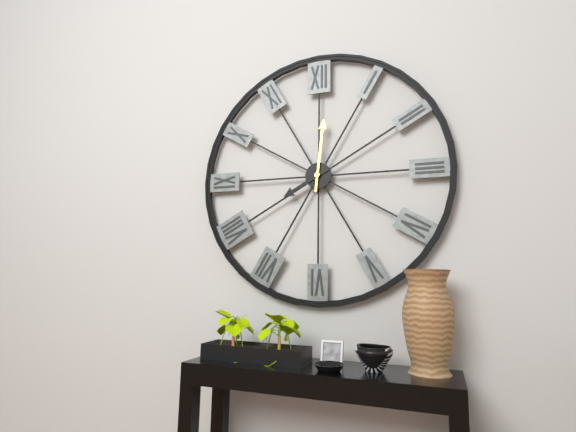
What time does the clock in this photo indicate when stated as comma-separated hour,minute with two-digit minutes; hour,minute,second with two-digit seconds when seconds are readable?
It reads 8,01
